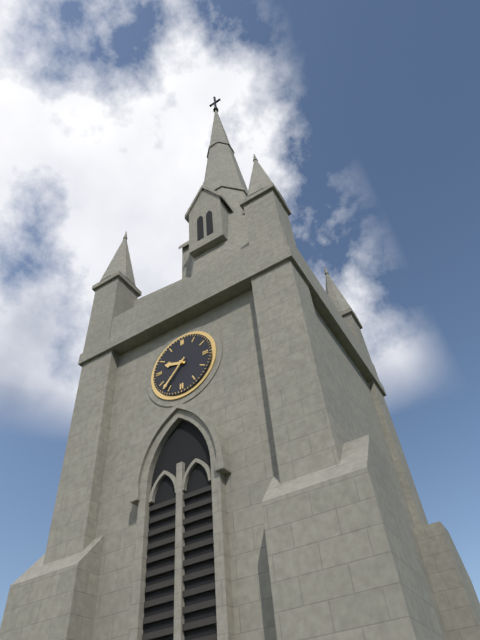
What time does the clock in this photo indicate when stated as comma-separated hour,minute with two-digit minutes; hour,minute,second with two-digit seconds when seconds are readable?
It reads 9,37
